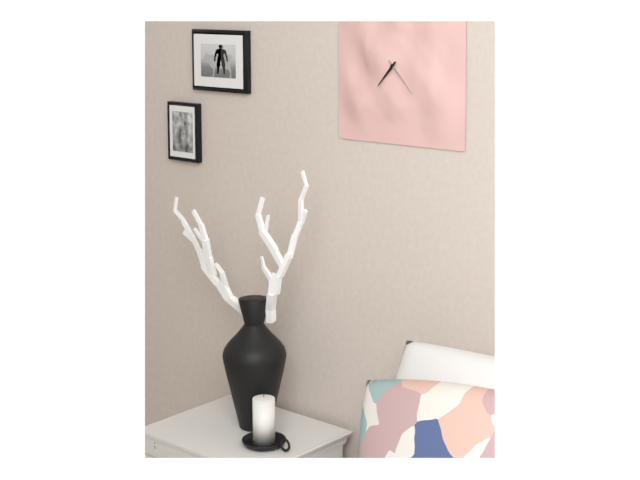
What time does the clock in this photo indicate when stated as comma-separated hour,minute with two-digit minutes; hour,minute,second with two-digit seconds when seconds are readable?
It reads 7,23
